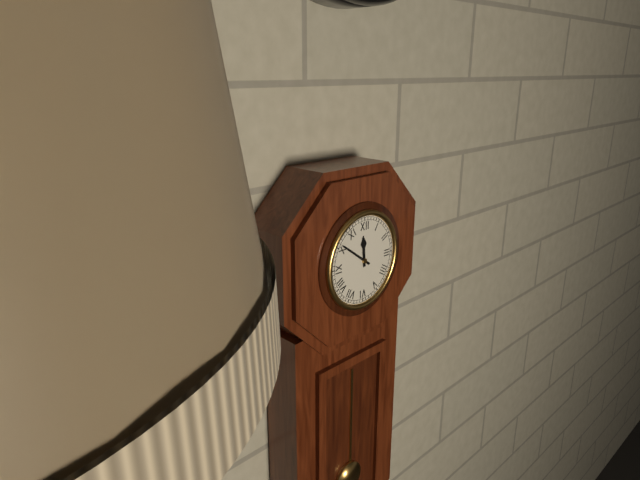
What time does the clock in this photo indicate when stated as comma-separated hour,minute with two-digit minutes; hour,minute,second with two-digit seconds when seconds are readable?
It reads 11,51
